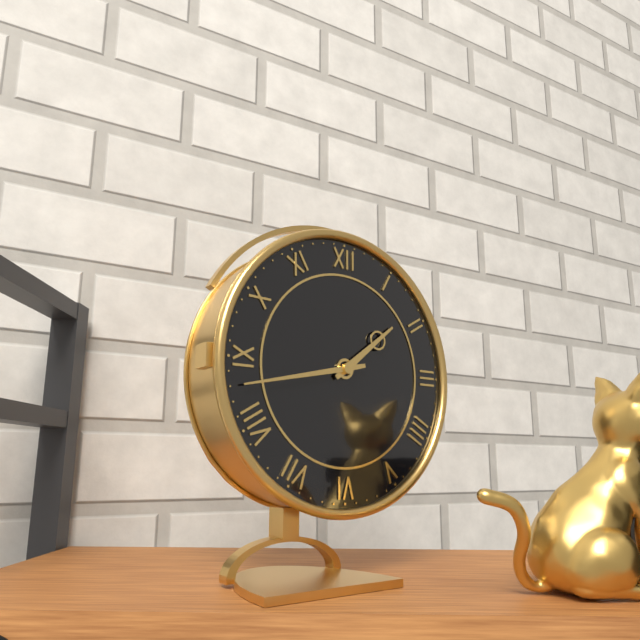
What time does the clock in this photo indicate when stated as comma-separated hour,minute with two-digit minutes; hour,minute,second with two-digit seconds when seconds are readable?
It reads 1,43
